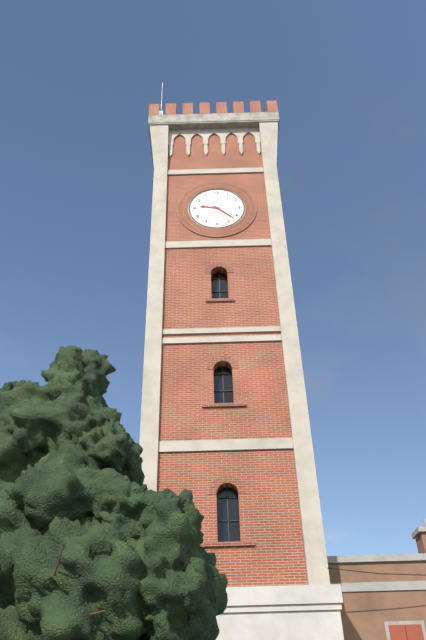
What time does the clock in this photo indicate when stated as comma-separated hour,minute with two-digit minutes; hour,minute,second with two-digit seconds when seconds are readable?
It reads 9,22
